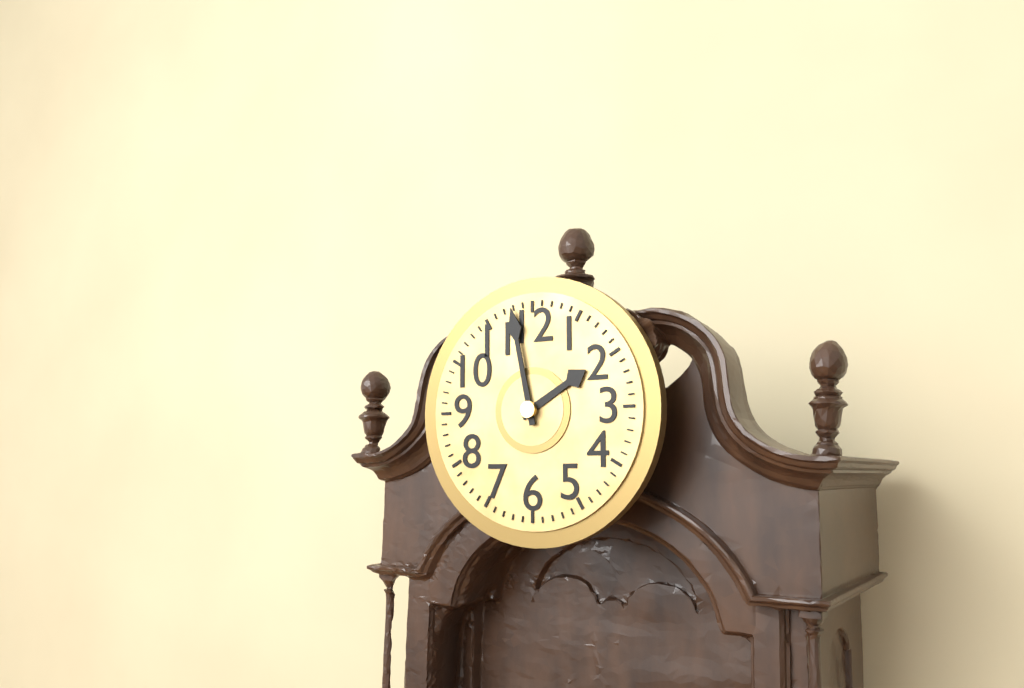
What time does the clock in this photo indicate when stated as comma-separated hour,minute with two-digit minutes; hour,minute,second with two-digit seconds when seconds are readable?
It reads 1,58
